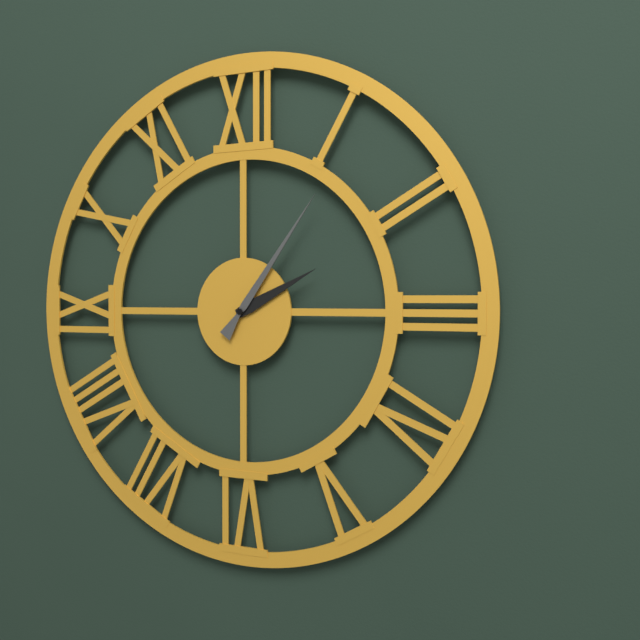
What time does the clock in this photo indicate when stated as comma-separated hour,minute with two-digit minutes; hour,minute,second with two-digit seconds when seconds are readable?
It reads 2,06
